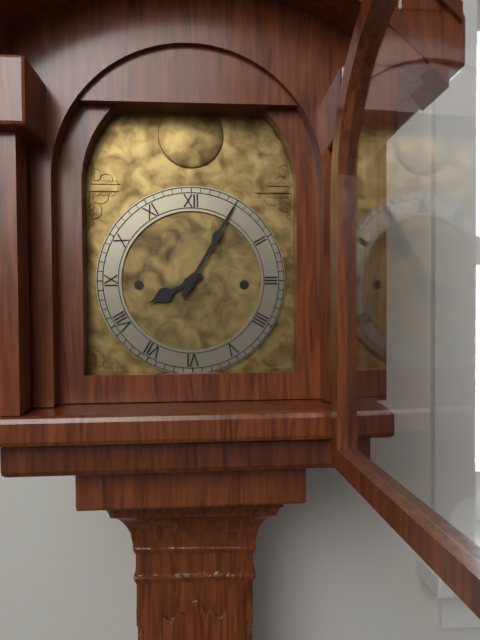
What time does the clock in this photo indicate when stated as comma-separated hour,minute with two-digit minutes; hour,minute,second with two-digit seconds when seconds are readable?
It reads 8,05
